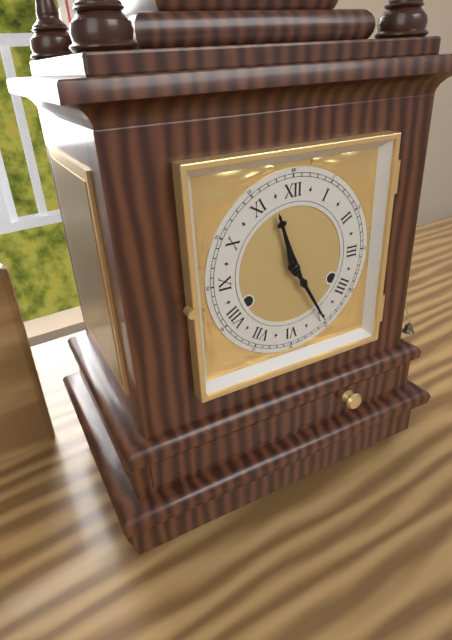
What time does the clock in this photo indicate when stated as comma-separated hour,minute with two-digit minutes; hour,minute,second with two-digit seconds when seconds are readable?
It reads 11,25
